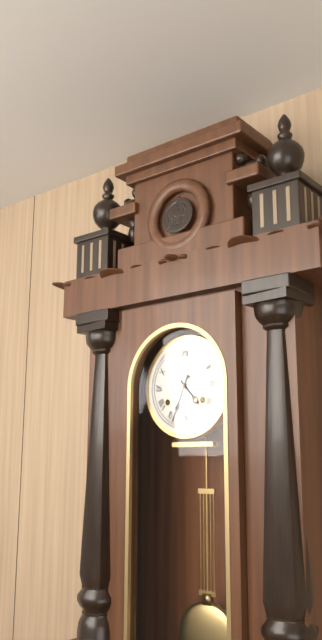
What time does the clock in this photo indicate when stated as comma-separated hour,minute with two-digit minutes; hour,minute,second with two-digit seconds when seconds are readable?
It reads 4,34
